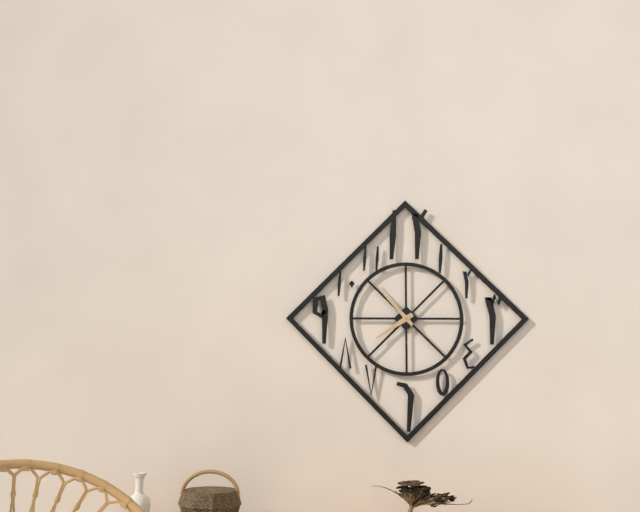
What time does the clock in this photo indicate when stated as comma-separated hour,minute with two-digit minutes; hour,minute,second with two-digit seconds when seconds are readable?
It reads 7,53
